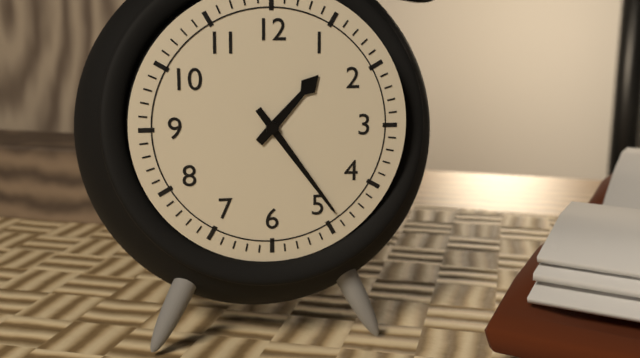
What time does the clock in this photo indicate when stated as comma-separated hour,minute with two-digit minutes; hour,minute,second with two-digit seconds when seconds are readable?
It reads 1,24
